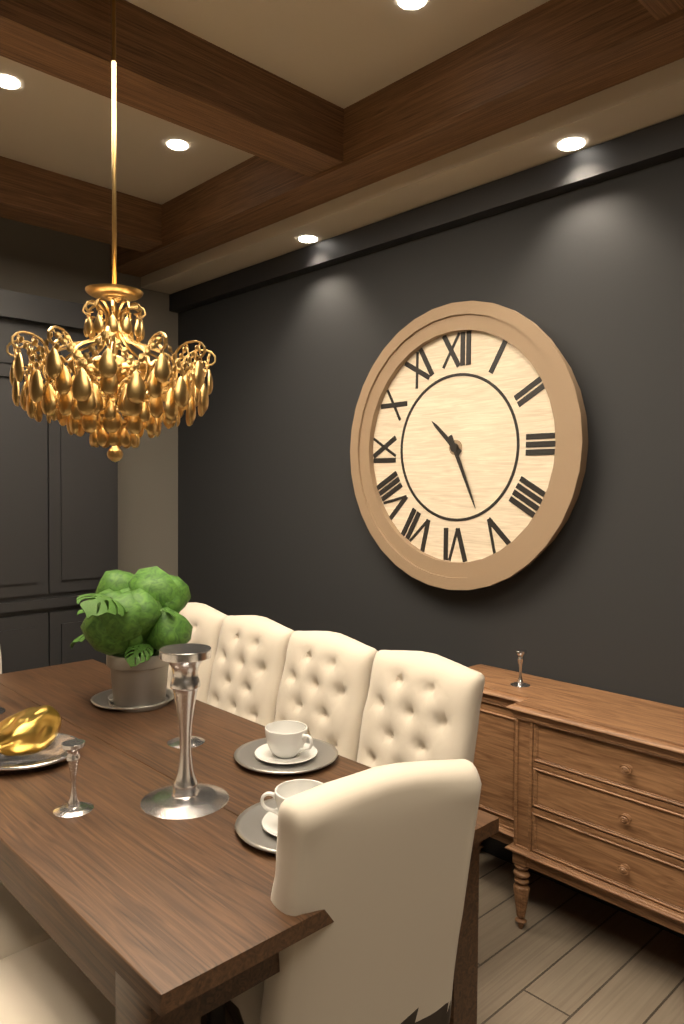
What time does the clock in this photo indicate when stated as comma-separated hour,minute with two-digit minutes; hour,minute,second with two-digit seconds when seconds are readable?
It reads 10,26
